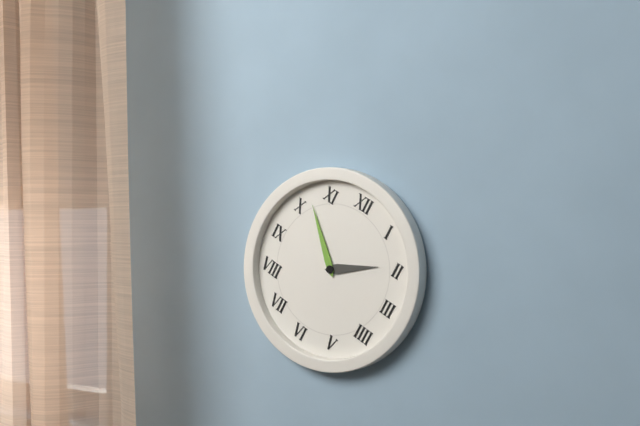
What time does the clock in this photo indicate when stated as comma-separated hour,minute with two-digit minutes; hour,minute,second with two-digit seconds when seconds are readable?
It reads 1,52
